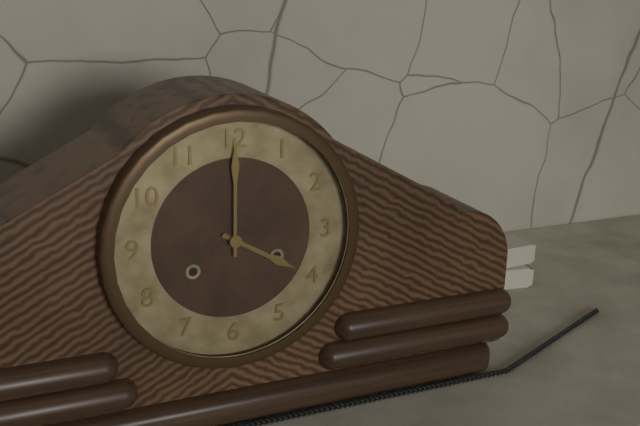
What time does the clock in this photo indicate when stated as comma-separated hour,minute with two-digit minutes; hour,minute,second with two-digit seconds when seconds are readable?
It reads 4,00
